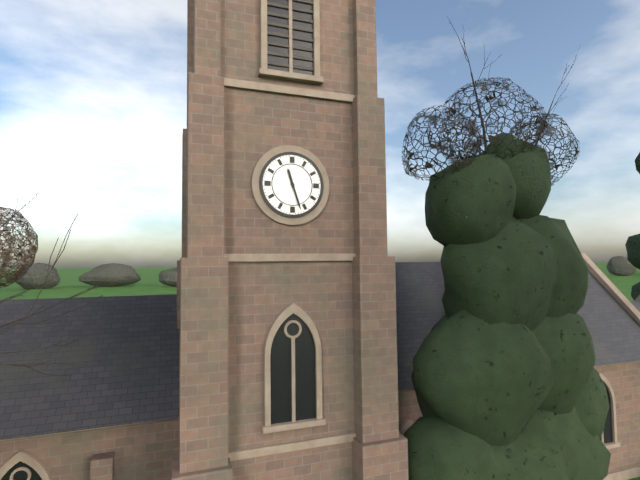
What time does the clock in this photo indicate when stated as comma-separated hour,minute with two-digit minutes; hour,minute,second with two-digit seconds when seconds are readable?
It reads 11,27
